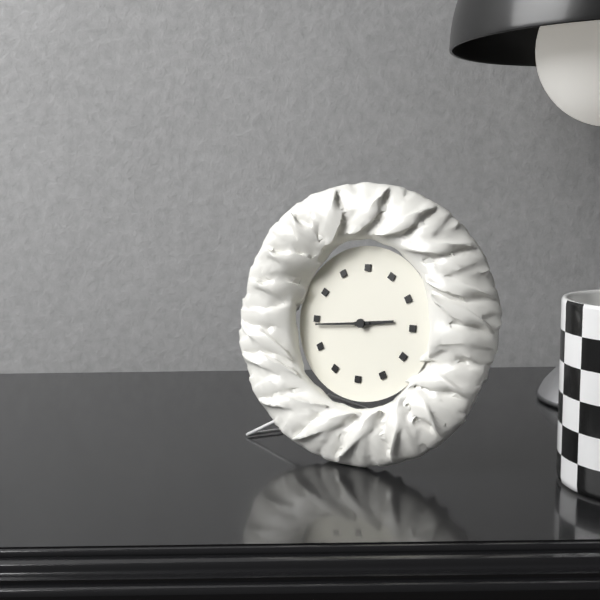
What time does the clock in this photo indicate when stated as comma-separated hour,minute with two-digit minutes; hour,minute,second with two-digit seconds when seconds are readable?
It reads 2,44
